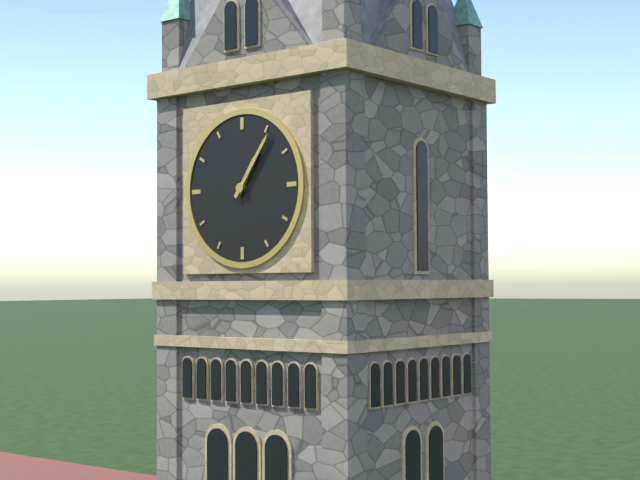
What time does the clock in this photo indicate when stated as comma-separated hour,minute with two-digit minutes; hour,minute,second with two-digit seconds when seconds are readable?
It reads 1,06
